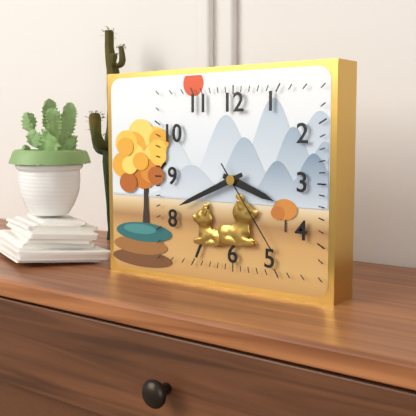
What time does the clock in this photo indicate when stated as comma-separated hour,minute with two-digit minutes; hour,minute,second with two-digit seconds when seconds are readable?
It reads 3,41,24
